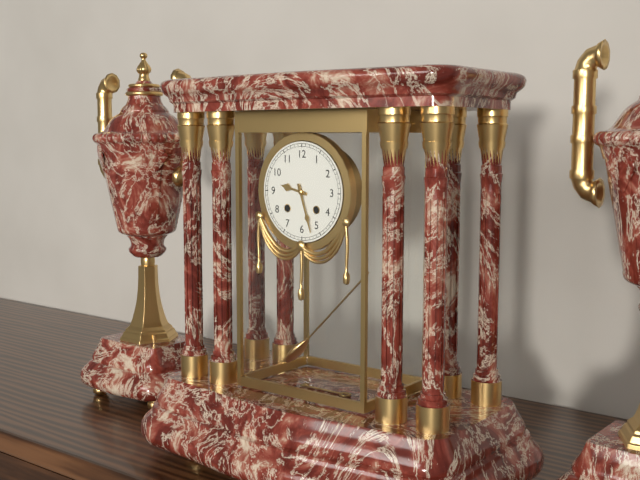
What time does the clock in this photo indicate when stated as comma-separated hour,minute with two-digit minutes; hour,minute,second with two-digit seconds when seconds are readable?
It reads 9,27
